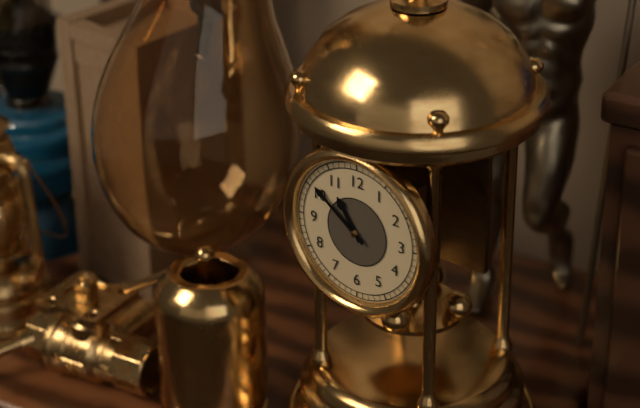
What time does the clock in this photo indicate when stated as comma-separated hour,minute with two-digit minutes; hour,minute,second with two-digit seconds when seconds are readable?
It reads 10,51
